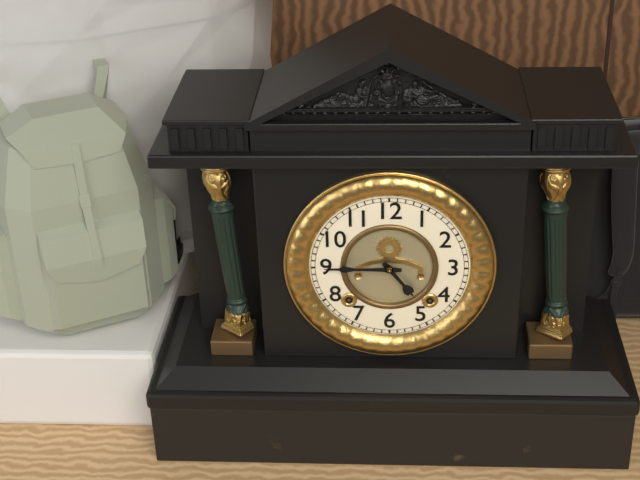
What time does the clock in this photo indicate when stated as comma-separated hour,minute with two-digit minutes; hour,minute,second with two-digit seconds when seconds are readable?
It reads 4,45
